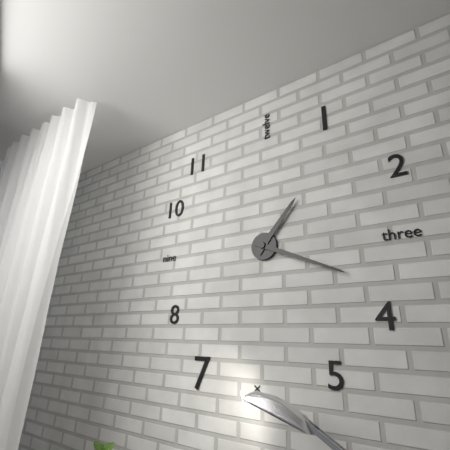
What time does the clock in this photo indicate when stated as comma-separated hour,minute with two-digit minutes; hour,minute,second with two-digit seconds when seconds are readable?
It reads 1,19
